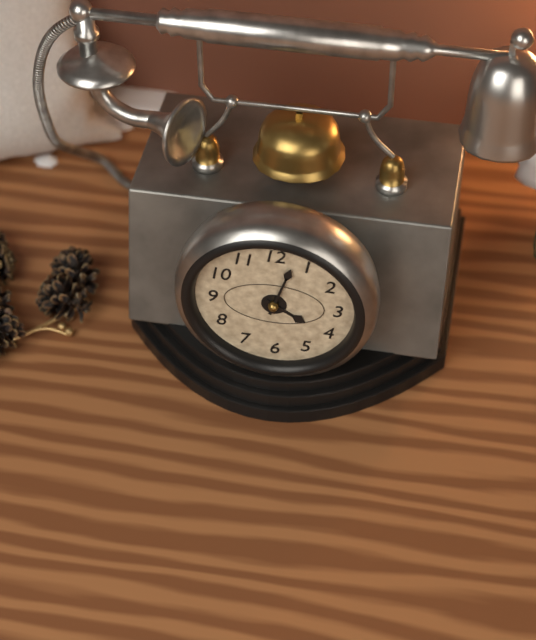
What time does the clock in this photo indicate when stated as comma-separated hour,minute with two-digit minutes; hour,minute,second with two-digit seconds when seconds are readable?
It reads 4,03
